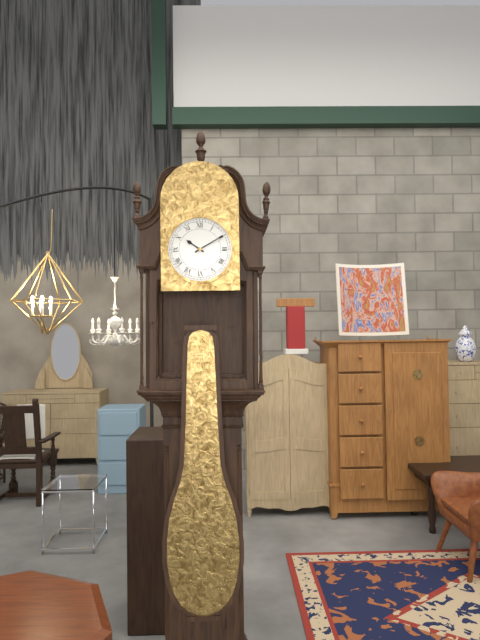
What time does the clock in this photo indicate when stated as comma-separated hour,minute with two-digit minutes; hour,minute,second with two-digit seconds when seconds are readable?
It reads 10,10
